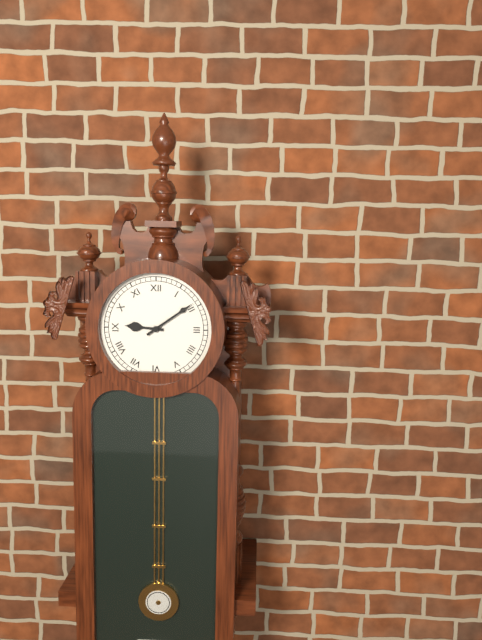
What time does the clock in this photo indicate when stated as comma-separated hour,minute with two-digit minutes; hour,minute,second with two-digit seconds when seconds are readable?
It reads 9,09
